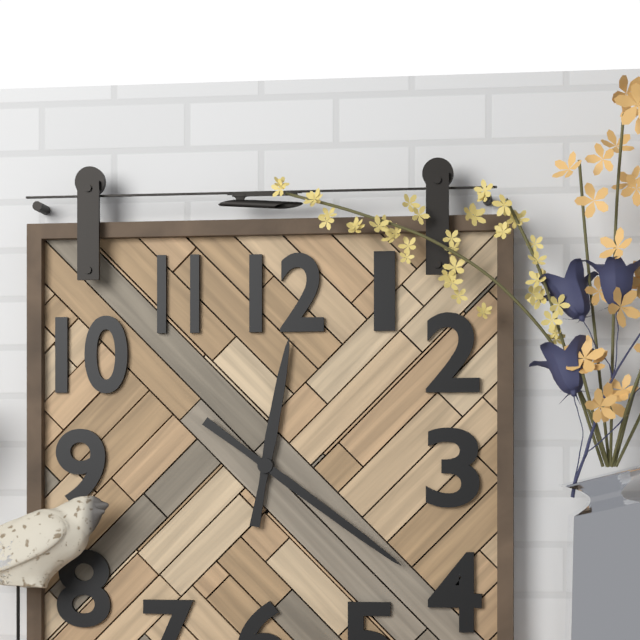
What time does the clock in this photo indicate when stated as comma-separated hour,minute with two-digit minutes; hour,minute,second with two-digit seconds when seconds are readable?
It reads 12,21
